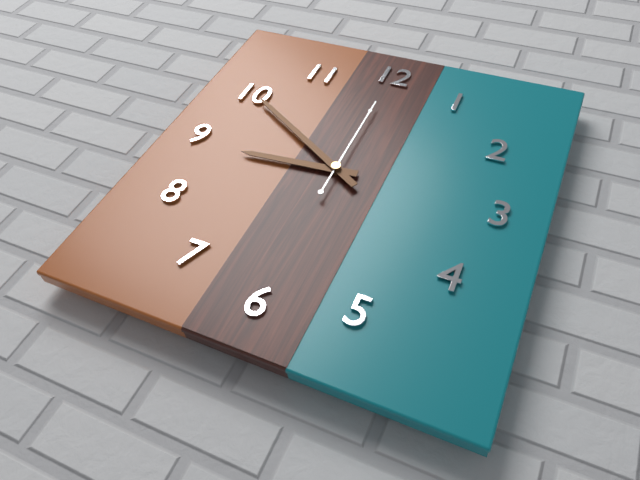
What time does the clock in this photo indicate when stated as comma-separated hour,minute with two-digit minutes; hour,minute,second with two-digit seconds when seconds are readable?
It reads 8,50,00
